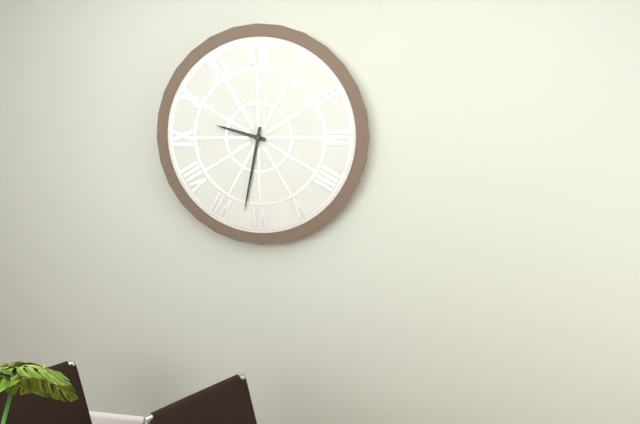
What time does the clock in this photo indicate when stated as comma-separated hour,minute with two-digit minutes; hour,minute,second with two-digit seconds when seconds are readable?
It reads 9,32
